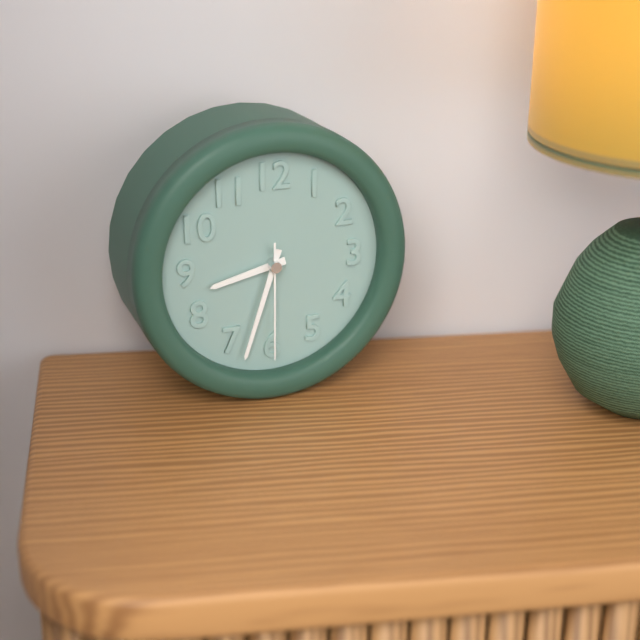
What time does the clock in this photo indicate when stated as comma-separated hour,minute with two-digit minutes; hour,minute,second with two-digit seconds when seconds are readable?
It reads 8,33,30
